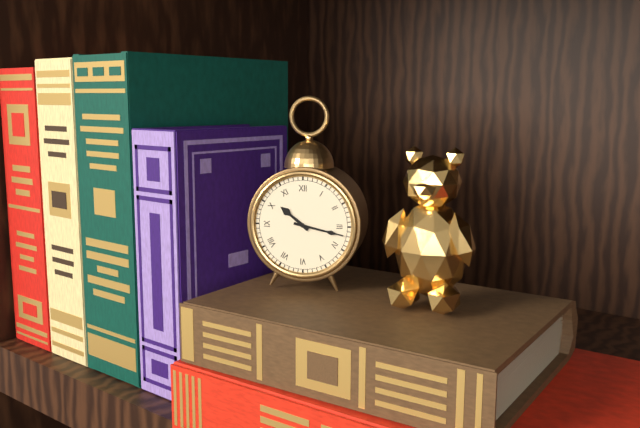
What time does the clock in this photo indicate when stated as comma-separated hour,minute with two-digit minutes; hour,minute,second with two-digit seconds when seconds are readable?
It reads 10,17
